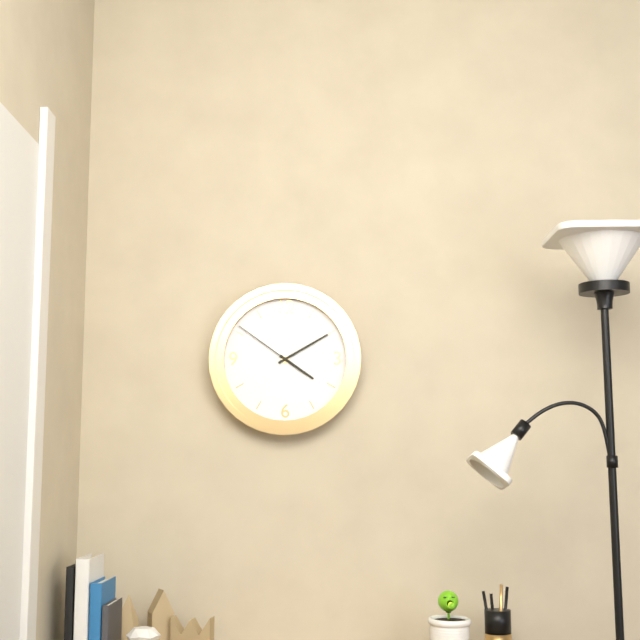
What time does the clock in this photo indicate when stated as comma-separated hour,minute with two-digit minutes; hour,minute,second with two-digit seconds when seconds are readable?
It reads 4,10,51
